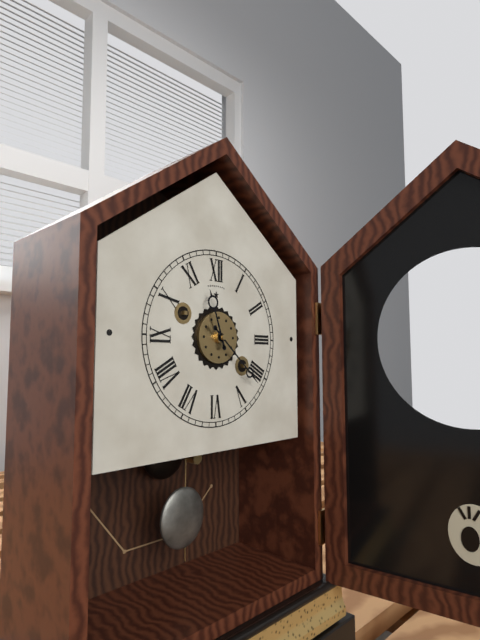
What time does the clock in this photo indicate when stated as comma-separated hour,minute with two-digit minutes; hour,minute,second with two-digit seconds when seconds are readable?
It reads 11,22
